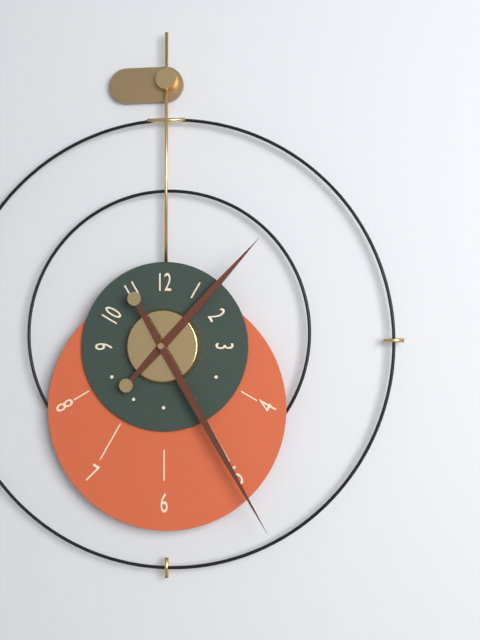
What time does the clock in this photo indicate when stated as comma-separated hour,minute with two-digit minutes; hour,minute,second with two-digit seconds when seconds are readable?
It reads 1,25
